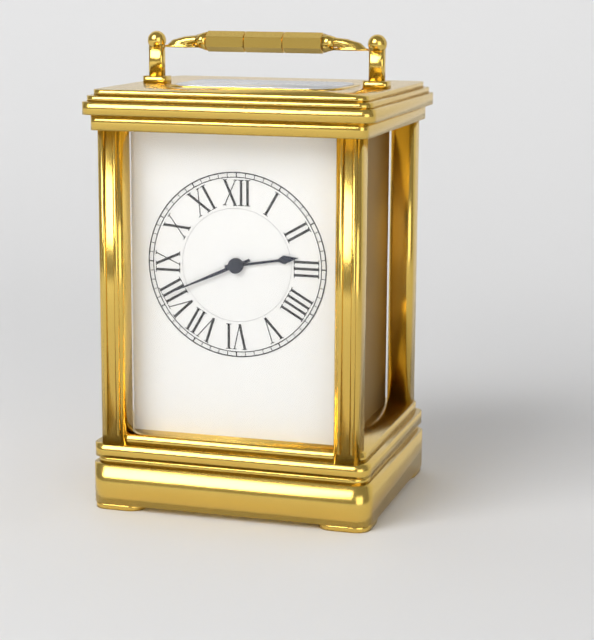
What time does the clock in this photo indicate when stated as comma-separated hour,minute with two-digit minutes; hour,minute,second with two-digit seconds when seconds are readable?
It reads 2,41
